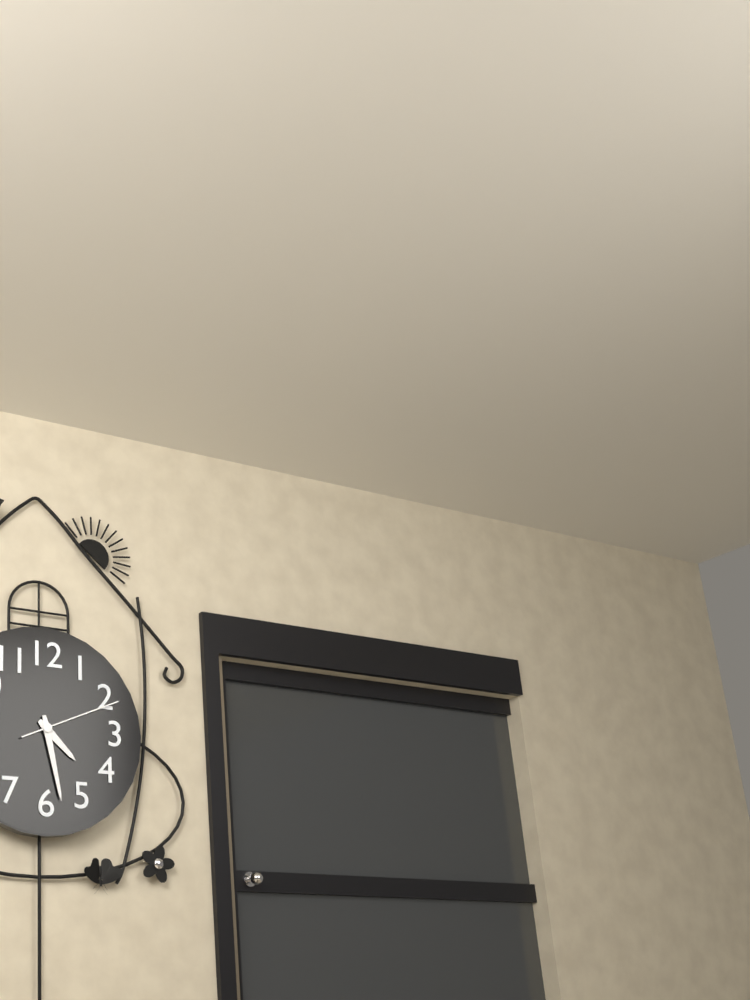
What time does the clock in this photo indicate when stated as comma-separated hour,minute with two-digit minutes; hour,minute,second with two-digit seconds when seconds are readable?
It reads 4,28,11
